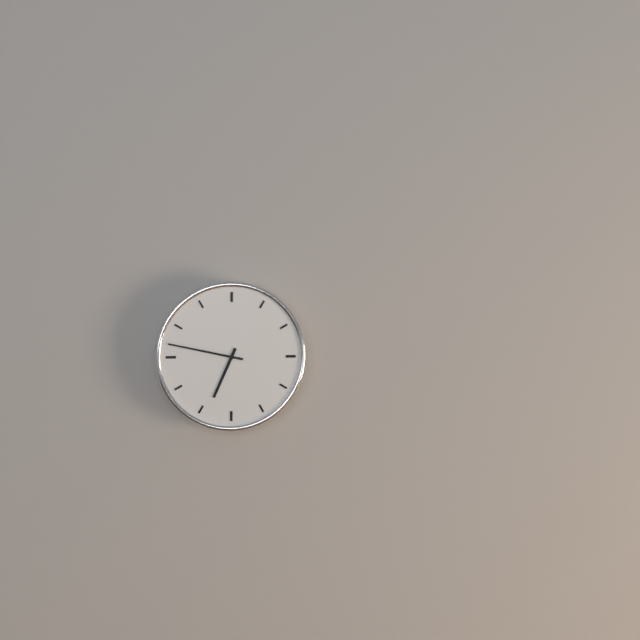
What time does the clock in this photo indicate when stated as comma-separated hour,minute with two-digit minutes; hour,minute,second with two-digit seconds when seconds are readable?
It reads 6,47
